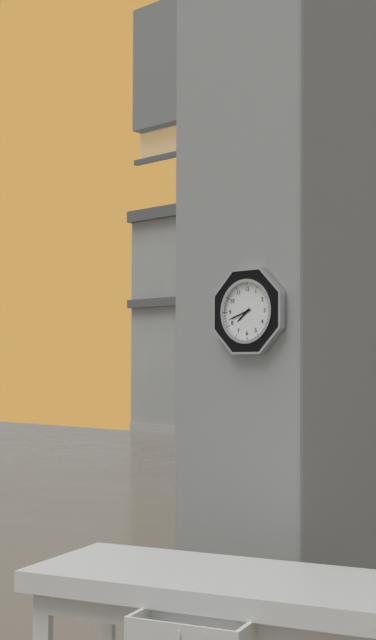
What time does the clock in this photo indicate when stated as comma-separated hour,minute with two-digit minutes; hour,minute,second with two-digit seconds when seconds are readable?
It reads 7,42
